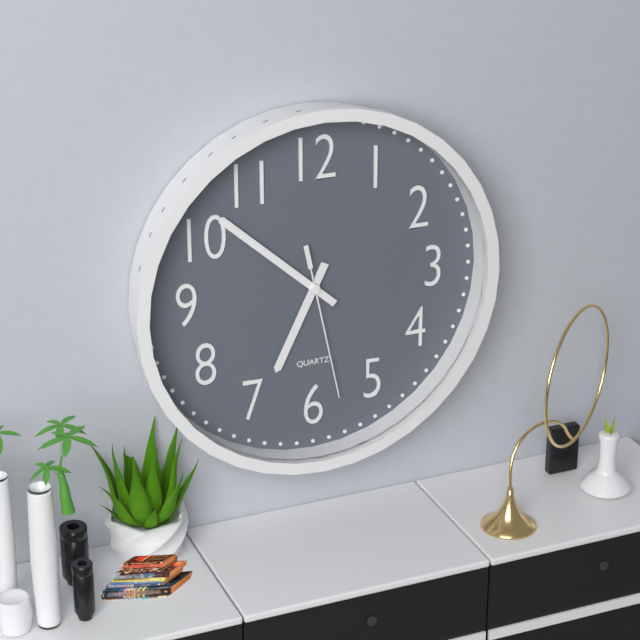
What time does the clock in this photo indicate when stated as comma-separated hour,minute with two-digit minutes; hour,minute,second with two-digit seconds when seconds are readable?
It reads 6,52,28
